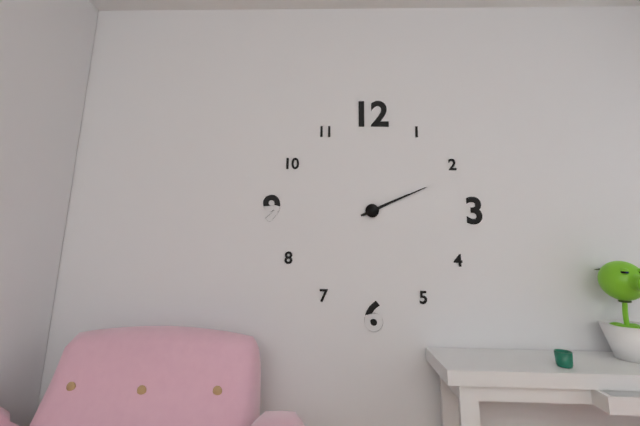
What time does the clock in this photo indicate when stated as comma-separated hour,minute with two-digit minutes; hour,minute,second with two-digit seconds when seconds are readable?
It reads 2,11
